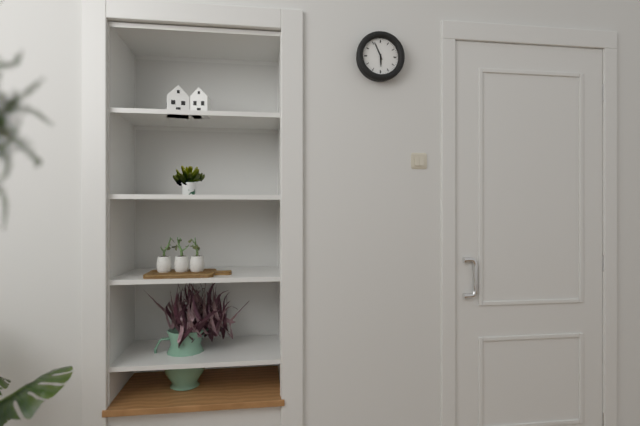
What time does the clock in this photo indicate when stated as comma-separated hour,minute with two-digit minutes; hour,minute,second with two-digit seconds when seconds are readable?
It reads 5,56
